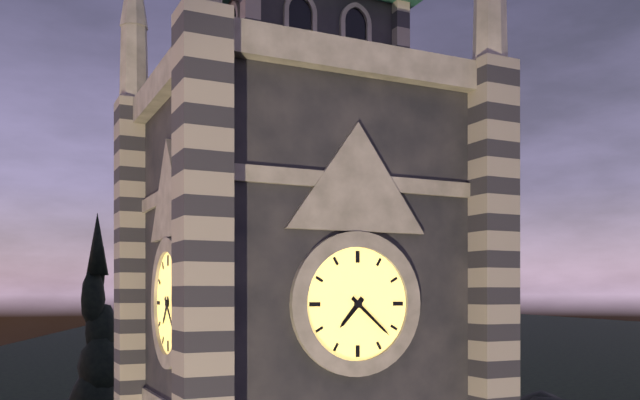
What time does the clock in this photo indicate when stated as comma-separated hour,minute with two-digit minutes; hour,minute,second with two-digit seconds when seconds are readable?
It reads 7,22
